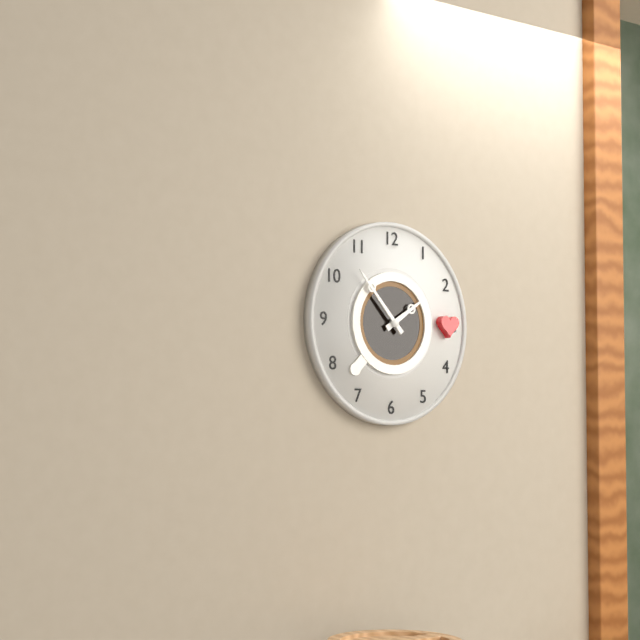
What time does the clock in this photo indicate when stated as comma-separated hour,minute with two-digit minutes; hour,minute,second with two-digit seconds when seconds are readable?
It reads 1,53
